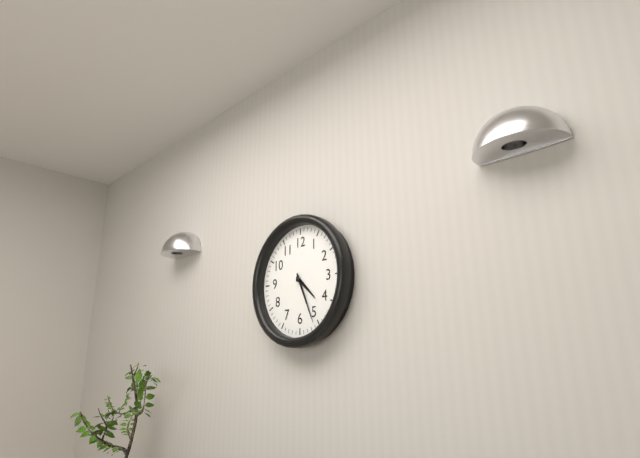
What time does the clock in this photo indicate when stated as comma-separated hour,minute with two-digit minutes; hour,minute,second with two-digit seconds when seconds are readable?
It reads 4,26
